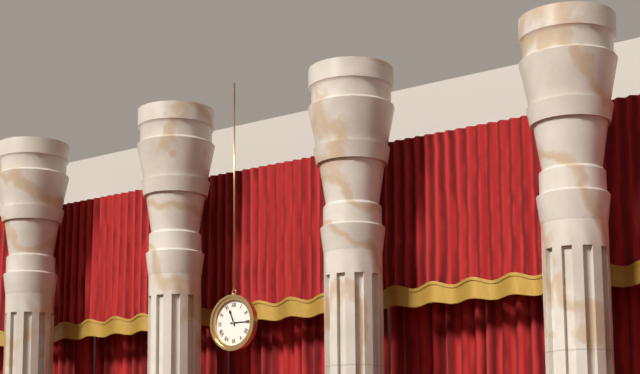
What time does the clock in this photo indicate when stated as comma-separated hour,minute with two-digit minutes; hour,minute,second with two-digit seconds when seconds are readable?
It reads 11,15
